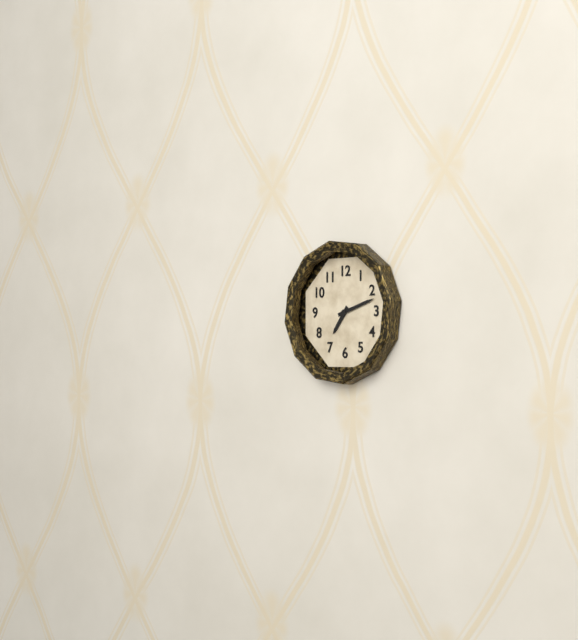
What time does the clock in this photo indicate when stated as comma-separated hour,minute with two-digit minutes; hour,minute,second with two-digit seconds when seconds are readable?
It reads 7,12
